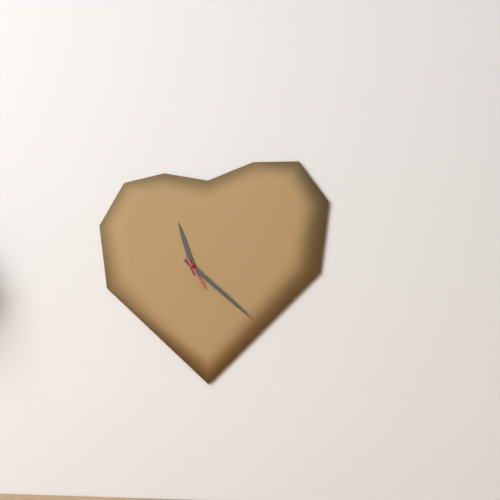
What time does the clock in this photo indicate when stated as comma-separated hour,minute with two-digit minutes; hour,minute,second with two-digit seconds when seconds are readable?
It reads 11,22
